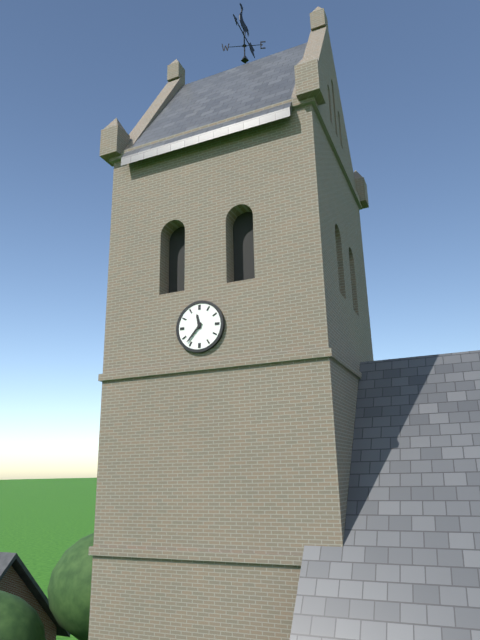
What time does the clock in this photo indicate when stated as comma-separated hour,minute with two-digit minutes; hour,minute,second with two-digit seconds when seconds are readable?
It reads 11,37
